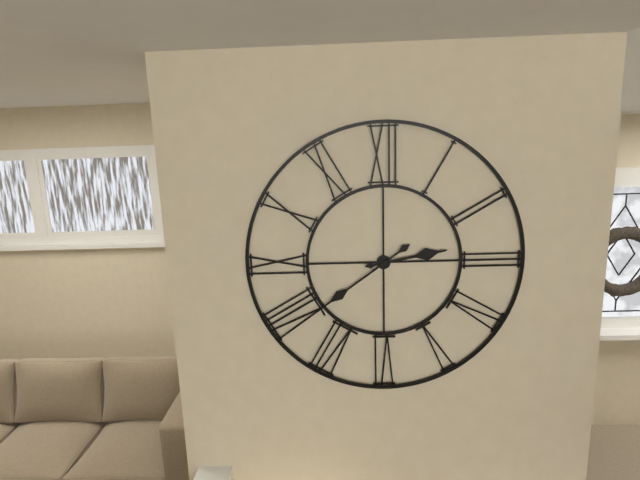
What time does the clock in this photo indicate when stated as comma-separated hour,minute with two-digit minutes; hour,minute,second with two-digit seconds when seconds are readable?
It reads 2,39
